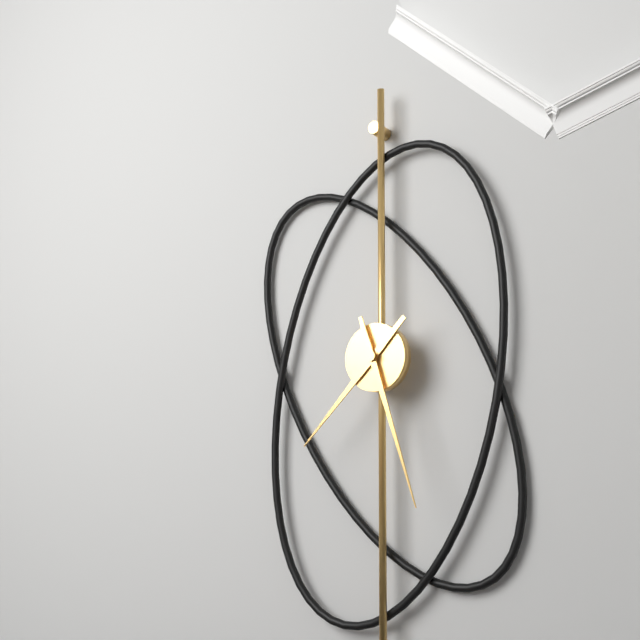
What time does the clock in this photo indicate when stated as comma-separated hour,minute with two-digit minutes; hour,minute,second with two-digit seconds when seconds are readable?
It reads 7,27
